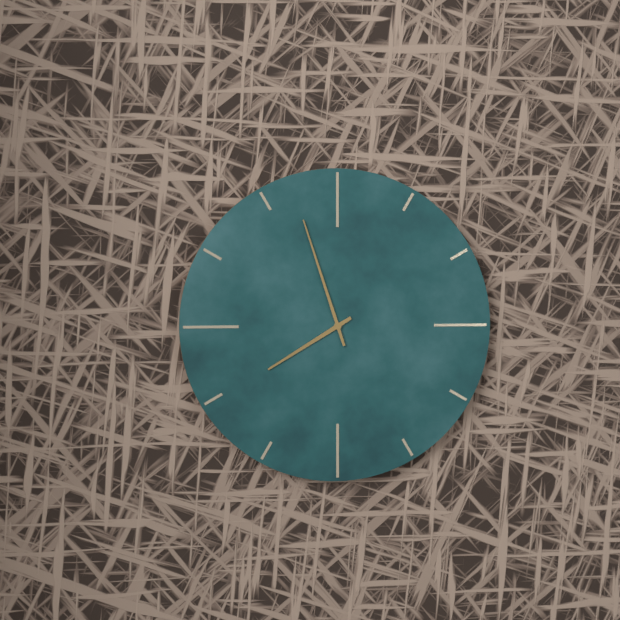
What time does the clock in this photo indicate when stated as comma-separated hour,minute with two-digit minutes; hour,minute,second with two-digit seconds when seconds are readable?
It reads 7,57
